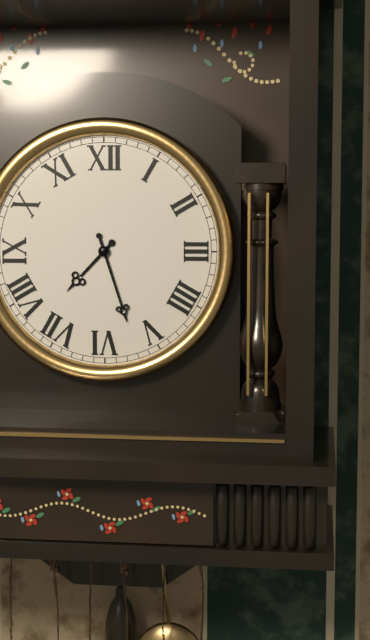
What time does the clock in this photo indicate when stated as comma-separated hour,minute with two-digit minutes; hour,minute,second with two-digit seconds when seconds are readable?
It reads 7,27
